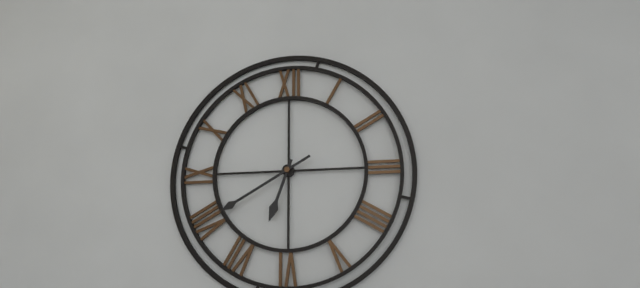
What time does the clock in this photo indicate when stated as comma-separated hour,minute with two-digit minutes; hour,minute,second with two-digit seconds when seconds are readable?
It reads 6,40
